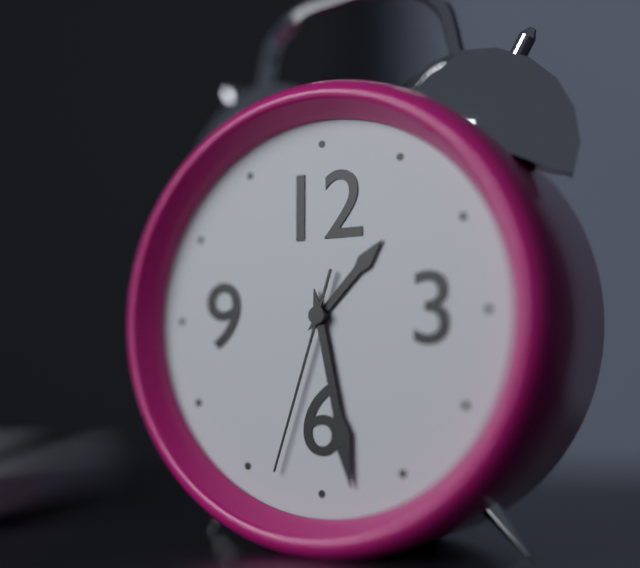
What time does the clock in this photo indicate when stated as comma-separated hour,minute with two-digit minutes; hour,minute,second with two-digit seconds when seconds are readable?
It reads 1,28,33
